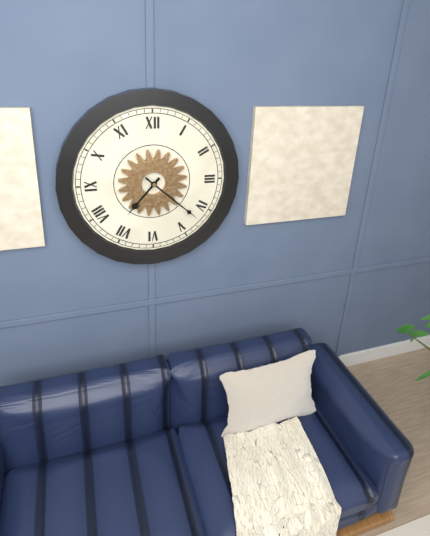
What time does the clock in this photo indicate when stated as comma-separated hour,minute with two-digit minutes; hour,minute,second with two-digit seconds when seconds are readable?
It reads 7,22
